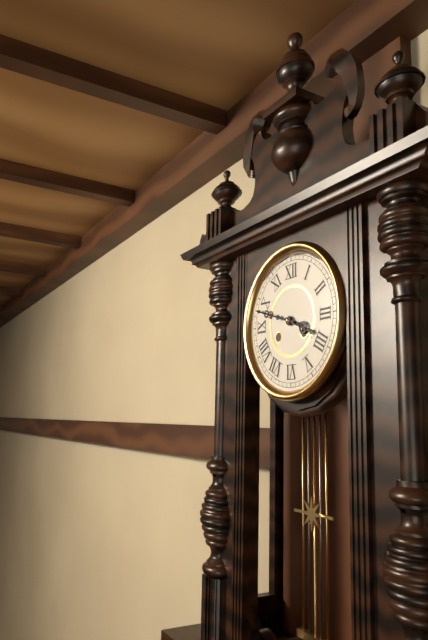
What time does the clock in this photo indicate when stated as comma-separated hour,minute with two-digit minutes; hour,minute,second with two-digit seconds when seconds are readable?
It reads 3,48
